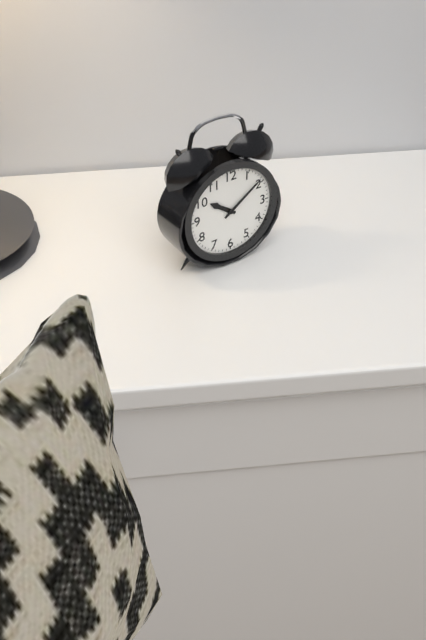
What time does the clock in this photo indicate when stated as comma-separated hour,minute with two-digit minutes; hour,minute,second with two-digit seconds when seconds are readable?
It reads 10,09
